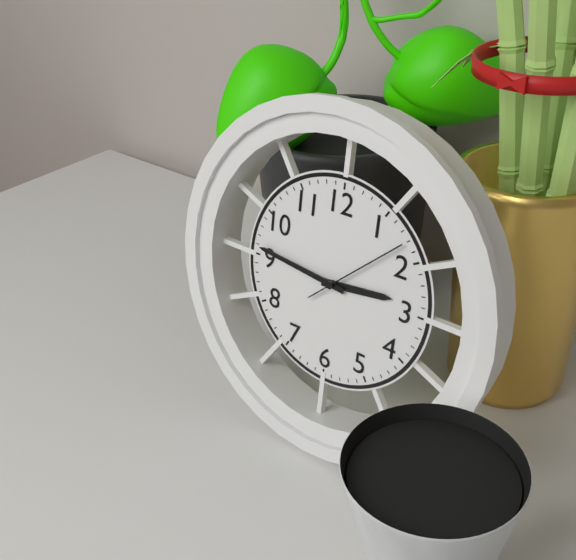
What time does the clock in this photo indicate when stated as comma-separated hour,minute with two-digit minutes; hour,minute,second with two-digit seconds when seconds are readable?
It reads 2,46,08
